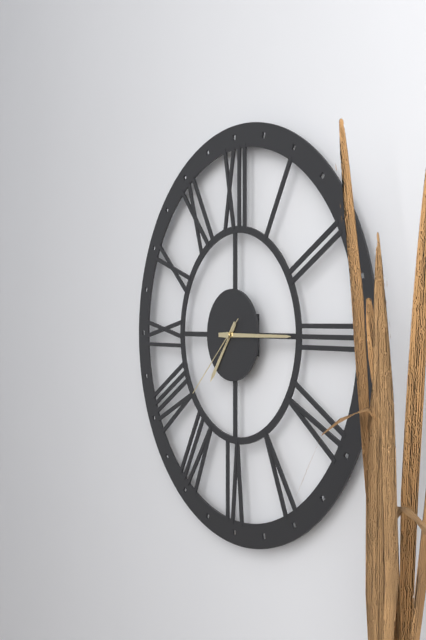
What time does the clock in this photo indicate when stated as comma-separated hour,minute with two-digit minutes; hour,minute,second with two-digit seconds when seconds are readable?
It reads 7,15,38
